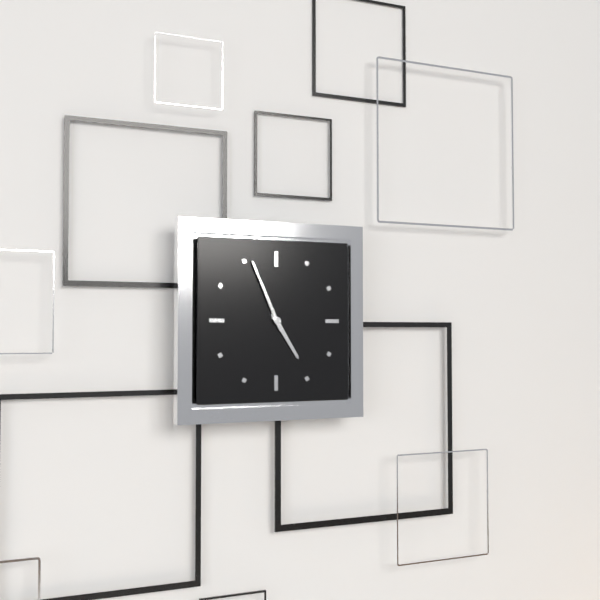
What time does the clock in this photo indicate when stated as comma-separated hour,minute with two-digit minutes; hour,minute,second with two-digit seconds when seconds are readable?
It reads 4,56
